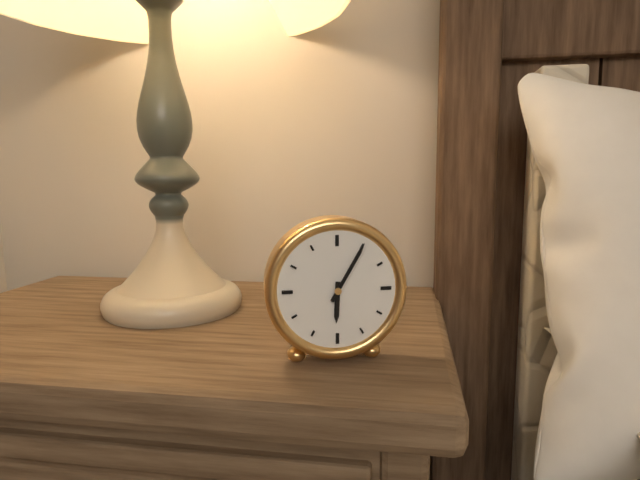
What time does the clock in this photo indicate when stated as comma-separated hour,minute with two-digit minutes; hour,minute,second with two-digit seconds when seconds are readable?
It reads 6,05
